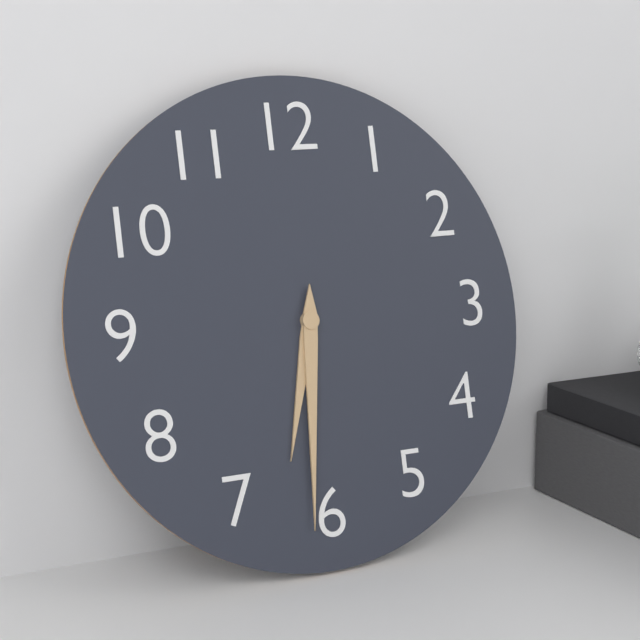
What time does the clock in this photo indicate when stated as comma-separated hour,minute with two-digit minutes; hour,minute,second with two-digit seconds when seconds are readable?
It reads 6,31
